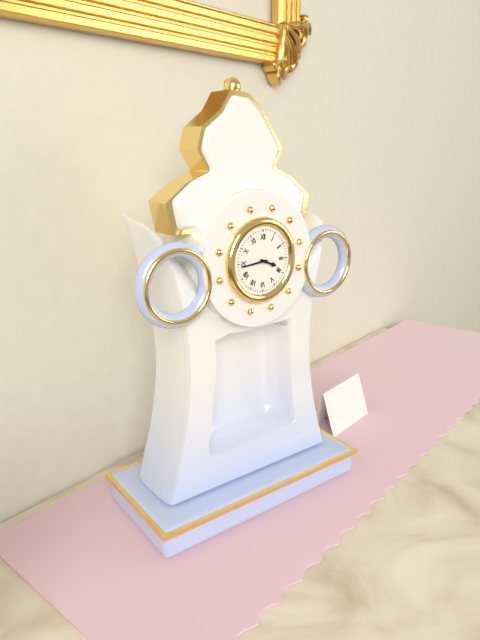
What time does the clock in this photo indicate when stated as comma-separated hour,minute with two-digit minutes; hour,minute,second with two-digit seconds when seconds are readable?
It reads 3,44
